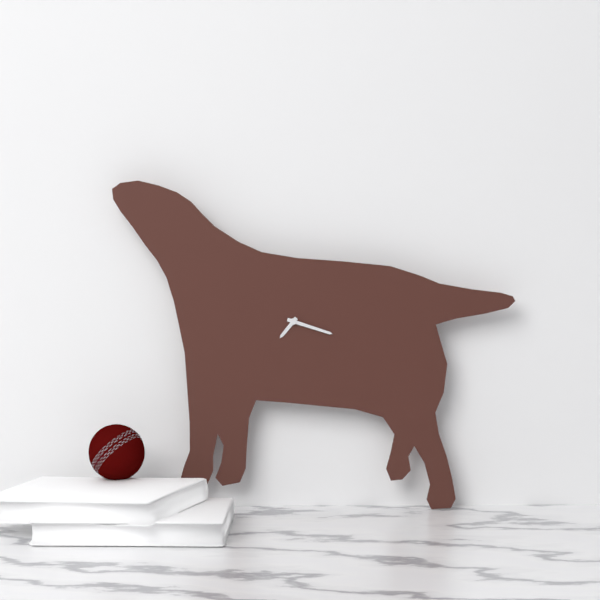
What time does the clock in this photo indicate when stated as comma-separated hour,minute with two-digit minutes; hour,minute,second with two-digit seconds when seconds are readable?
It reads 7,18
